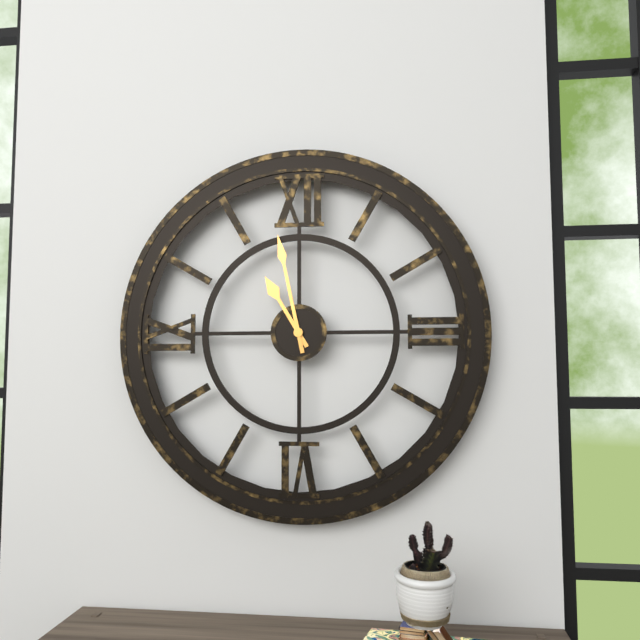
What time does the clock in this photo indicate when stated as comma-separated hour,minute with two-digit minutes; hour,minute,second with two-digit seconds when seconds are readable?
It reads 10,58
